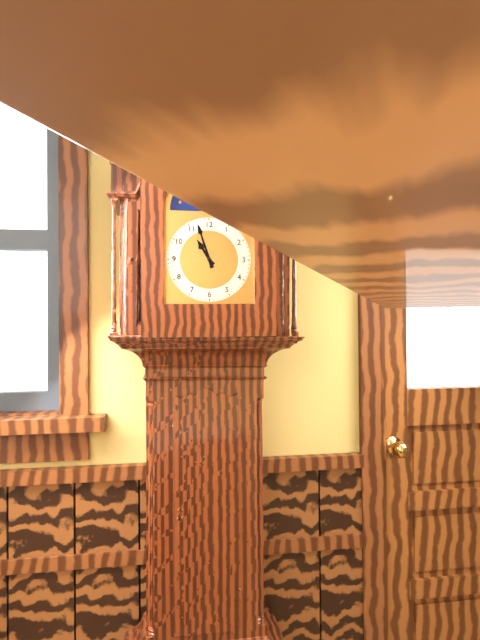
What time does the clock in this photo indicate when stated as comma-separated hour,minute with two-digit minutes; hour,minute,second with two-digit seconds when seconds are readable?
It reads 10,57
